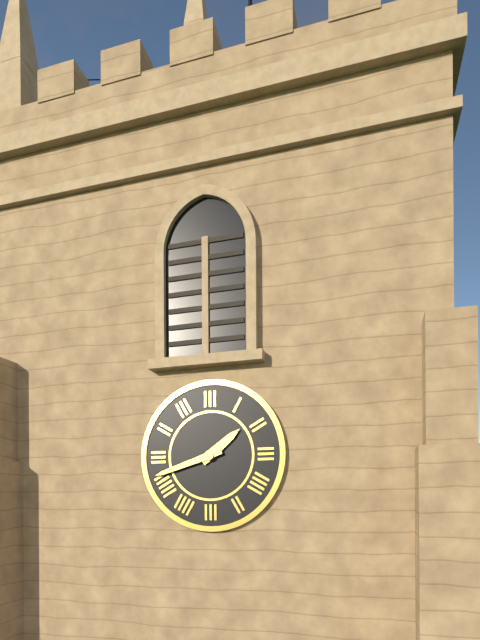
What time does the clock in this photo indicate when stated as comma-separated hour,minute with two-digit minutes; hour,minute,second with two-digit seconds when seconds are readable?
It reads 1,42
